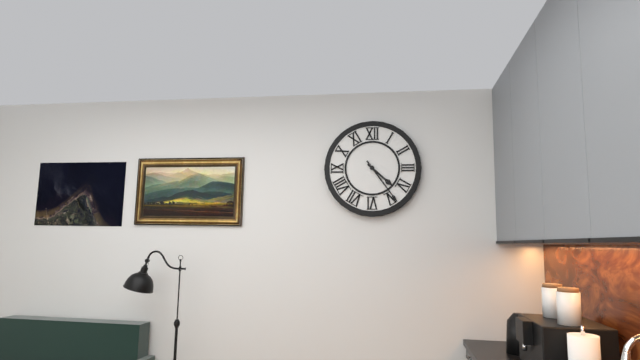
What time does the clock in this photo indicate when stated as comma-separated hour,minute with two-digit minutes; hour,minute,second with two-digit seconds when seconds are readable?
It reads 4,24
